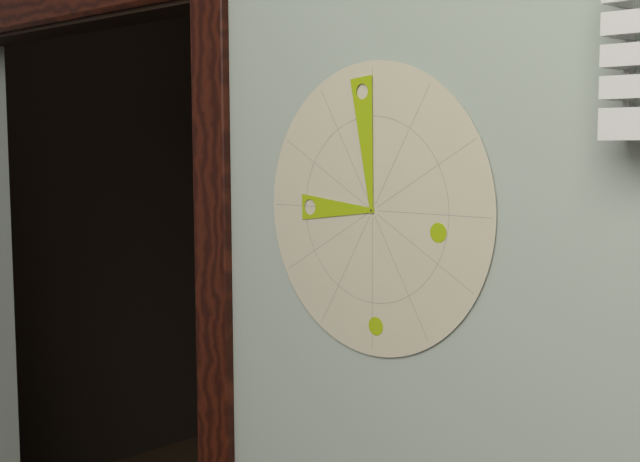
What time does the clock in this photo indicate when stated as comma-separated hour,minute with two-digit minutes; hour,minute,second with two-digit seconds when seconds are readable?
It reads 8,59
